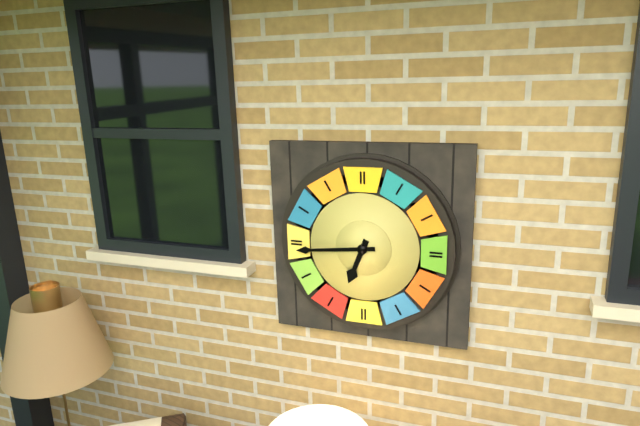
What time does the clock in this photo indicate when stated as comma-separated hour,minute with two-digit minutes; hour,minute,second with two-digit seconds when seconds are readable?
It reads 6,44
